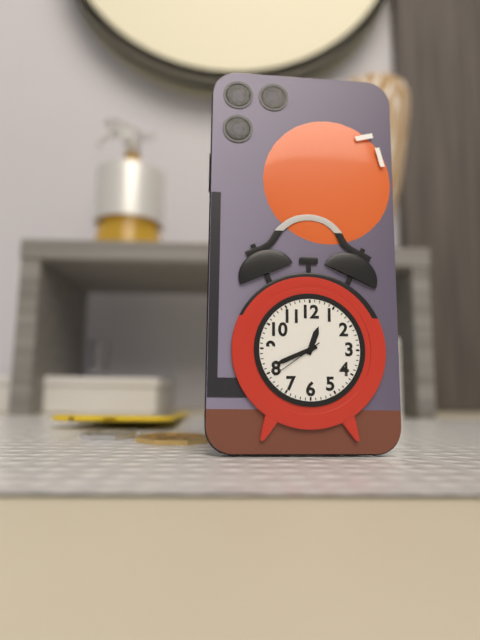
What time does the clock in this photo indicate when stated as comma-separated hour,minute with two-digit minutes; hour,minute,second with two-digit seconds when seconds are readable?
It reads 12,41,39
